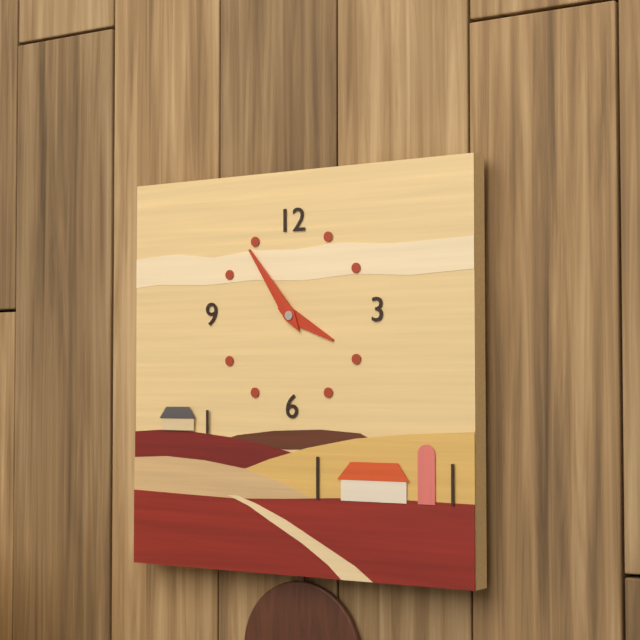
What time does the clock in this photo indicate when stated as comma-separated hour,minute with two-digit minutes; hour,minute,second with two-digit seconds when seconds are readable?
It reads 3,54
